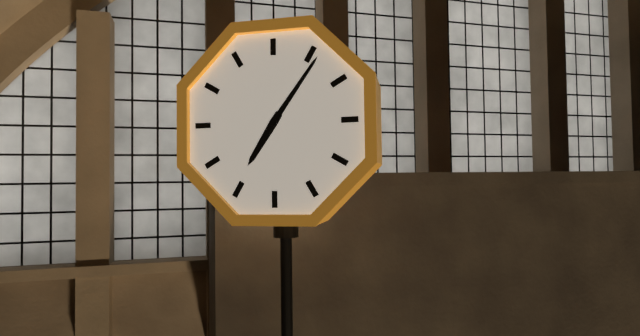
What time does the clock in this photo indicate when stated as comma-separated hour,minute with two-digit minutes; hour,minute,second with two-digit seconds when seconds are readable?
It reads 7,06
